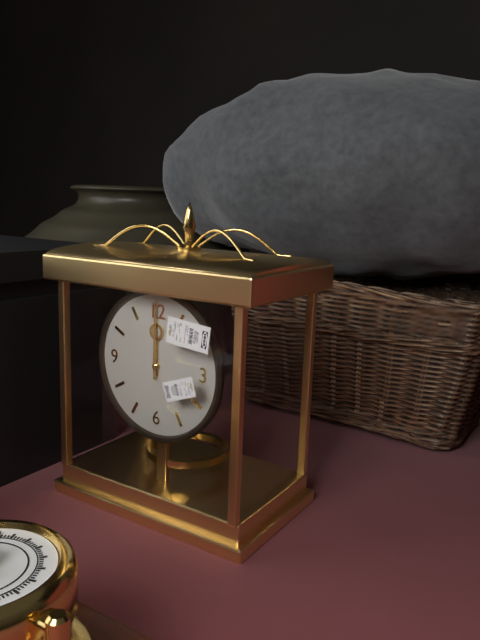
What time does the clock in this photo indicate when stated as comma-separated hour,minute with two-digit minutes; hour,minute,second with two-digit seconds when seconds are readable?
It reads 12,00
